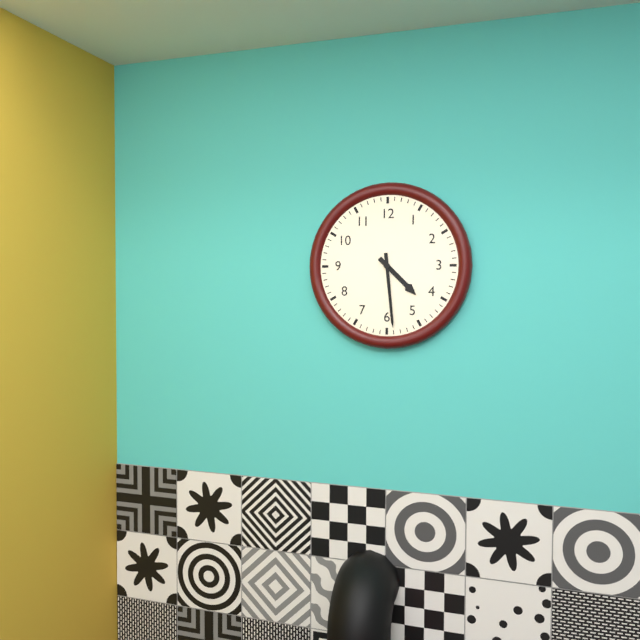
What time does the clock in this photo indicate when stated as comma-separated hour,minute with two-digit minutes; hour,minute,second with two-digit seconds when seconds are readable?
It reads 4,29
